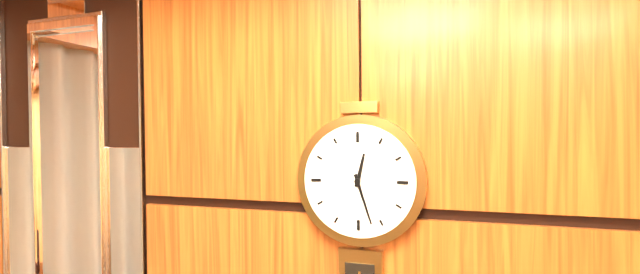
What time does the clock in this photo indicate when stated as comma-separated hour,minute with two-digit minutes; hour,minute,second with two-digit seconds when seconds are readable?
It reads 12,27
